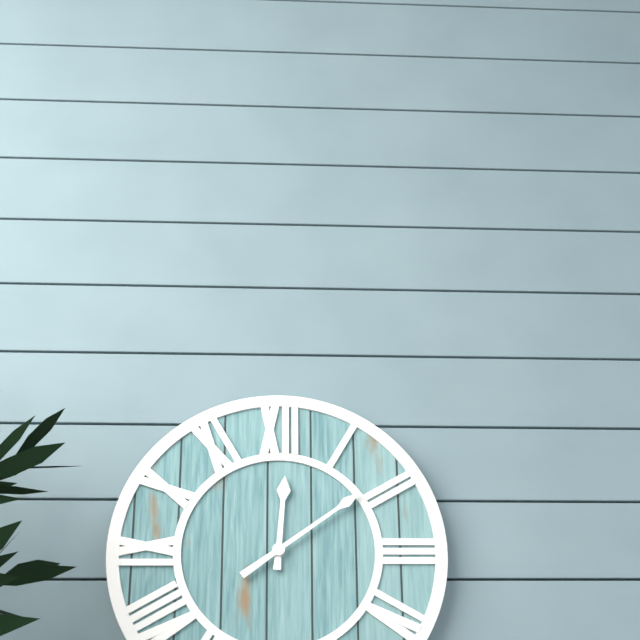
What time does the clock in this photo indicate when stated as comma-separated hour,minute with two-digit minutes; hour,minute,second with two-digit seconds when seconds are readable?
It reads 12,09
